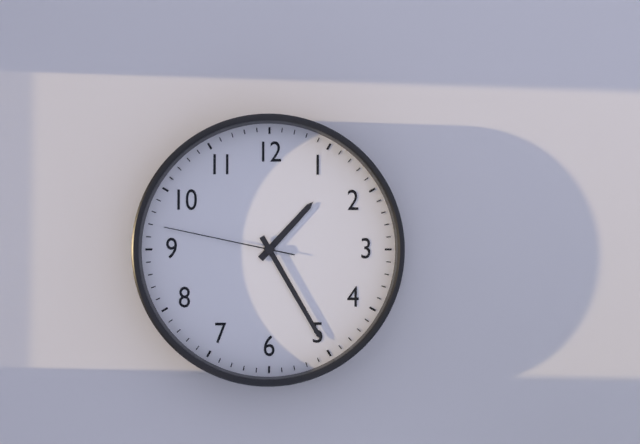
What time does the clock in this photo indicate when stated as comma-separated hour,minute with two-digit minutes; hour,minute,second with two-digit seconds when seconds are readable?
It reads 1,25,47
